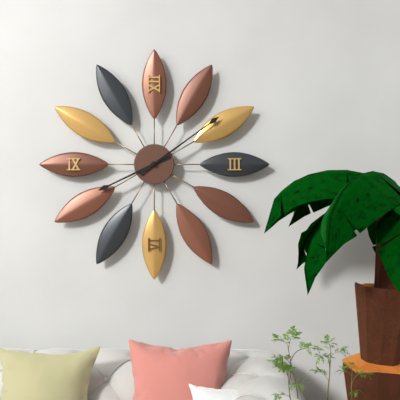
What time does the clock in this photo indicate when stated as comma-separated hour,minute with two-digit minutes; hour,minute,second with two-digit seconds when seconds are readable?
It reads 8,09
